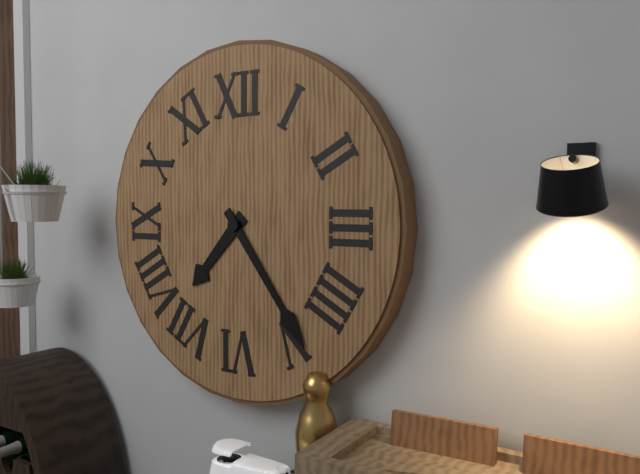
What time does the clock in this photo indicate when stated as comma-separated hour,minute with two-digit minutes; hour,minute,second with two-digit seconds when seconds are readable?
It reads 7,24
